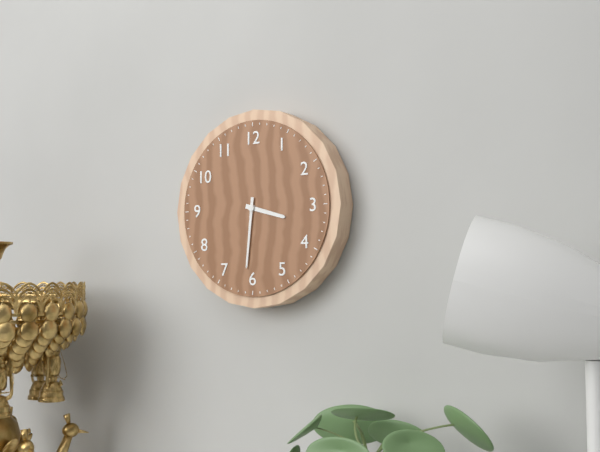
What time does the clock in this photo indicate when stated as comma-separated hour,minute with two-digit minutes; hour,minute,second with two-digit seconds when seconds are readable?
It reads 3,31
